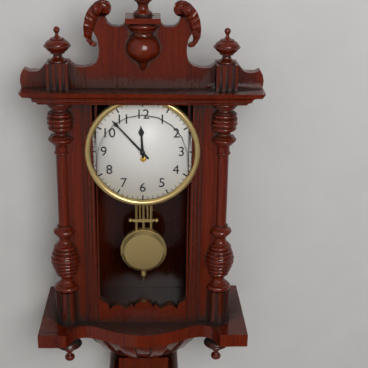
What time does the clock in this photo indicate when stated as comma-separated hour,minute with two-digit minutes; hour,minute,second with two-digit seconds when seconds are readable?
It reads 11,53
